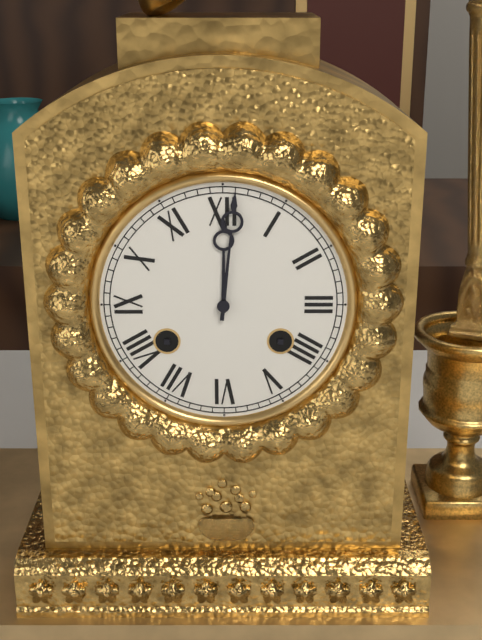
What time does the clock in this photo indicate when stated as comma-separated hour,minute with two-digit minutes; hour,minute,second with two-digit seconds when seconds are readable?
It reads 12,01
